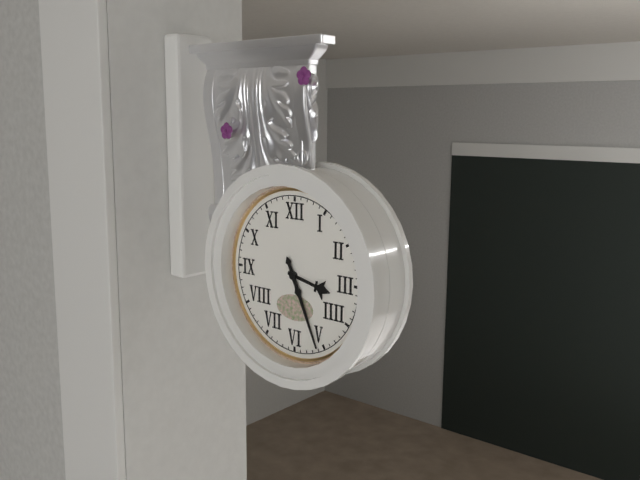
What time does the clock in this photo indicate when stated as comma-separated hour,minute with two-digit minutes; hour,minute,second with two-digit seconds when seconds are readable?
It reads 3,26
